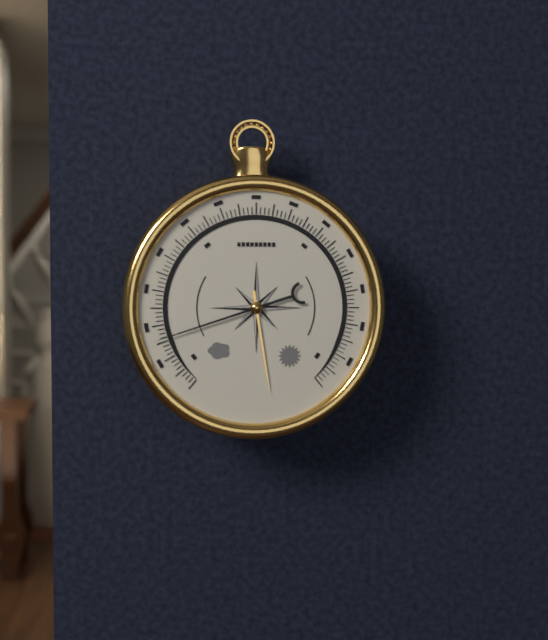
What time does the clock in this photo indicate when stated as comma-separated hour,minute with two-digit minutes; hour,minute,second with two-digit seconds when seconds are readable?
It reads 5,42
